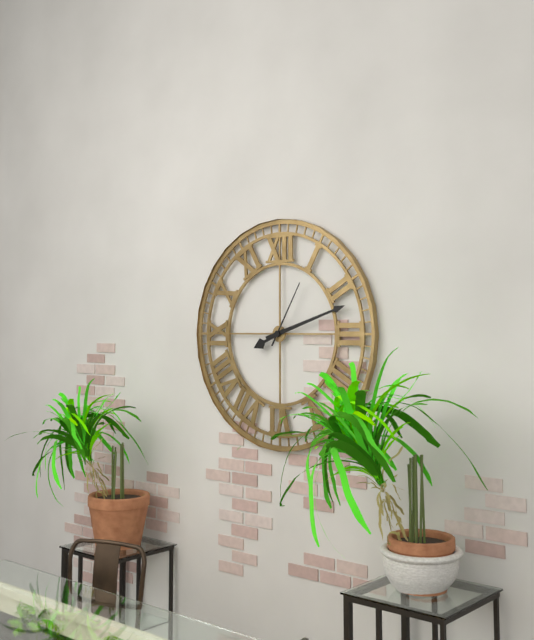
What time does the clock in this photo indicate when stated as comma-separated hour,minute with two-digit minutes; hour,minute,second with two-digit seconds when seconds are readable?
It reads 8,12,05
